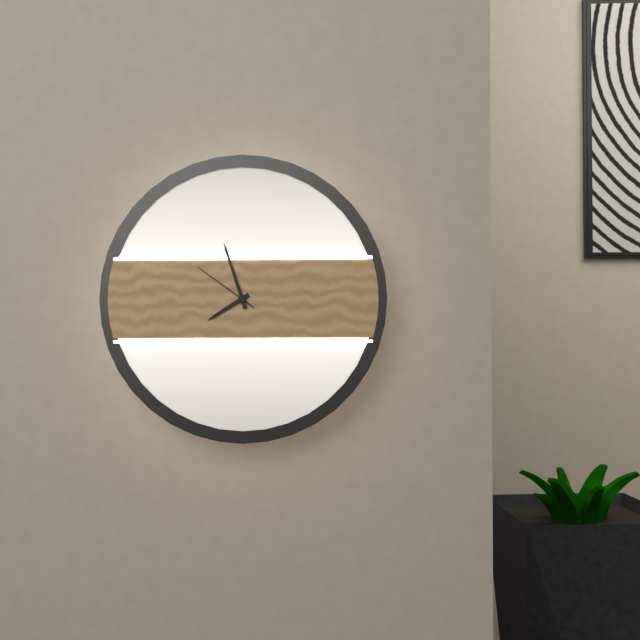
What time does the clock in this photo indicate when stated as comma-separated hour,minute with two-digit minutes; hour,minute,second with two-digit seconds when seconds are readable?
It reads 7,57,51
